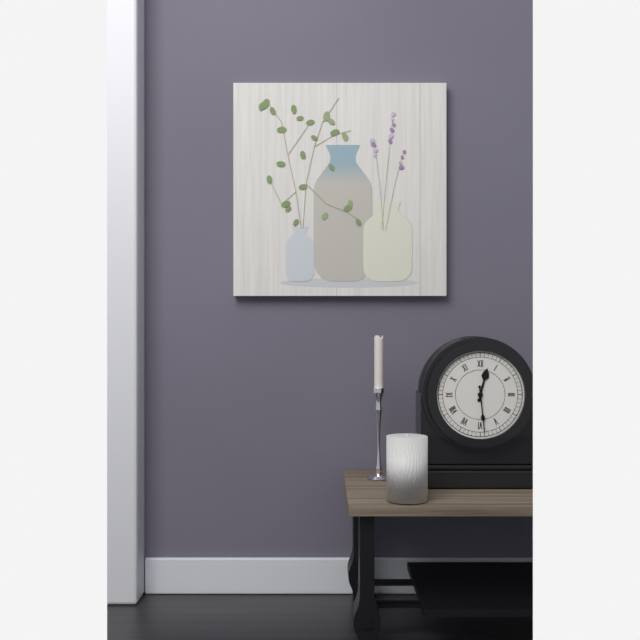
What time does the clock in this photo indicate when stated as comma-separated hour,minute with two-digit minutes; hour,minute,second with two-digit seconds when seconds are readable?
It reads 12,29
